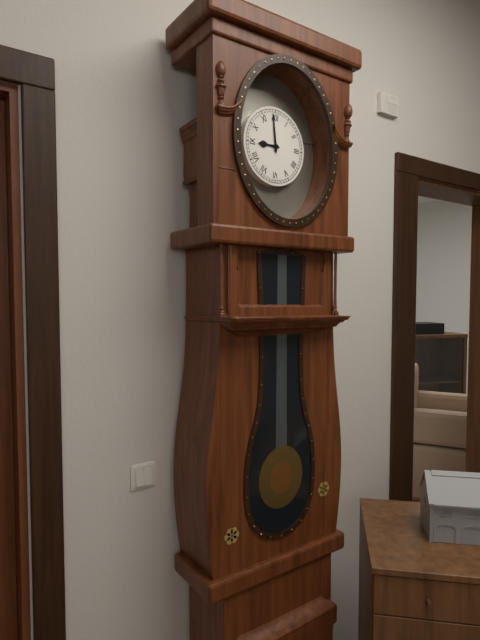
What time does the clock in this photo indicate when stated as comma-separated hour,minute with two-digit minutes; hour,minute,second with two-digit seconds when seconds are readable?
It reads 8,59
